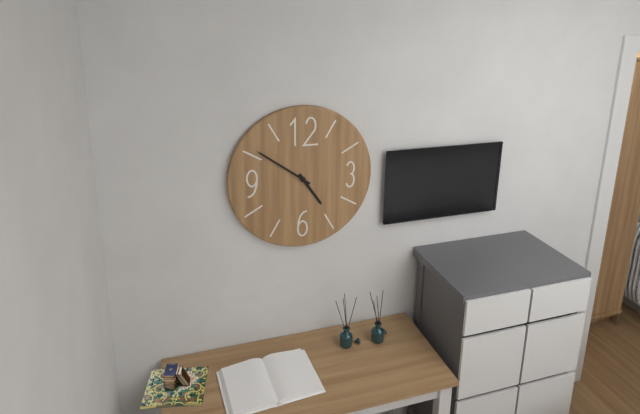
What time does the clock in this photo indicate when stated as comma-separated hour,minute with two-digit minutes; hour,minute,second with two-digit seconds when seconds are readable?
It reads 4,51
